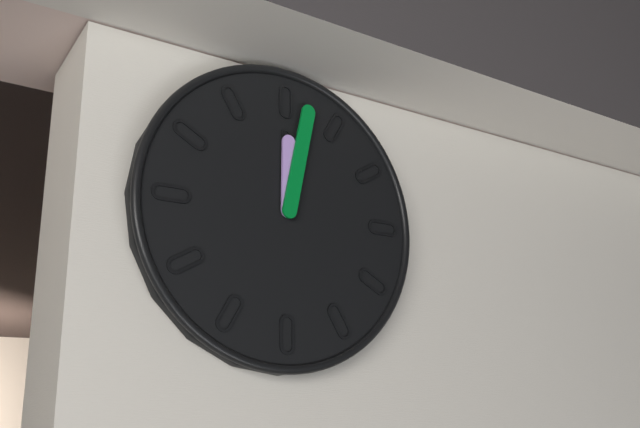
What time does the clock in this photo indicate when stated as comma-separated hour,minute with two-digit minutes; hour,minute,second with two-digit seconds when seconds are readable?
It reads 12,02
